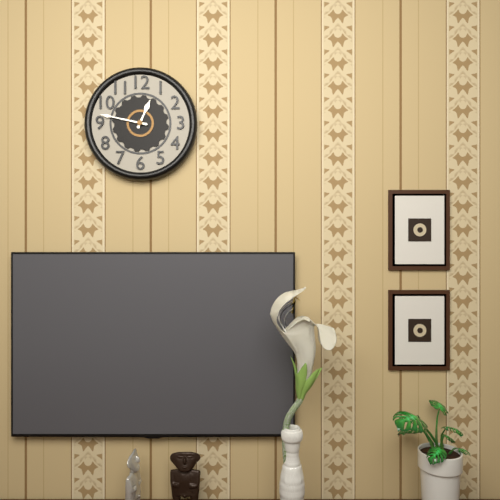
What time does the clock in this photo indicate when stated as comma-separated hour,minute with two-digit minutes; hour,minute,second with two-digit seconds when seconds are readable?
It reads 12,47
